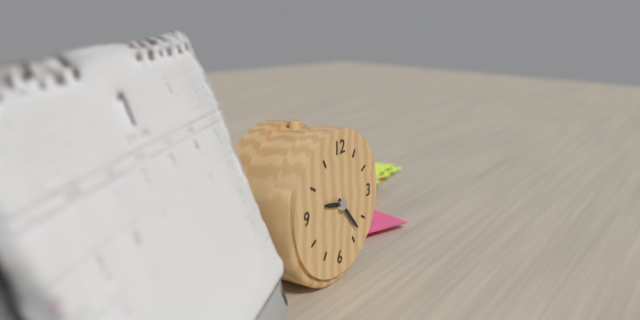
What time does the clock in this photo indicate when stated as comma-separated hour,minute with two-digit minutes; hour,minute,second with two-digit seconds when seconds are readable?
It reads 9,23
